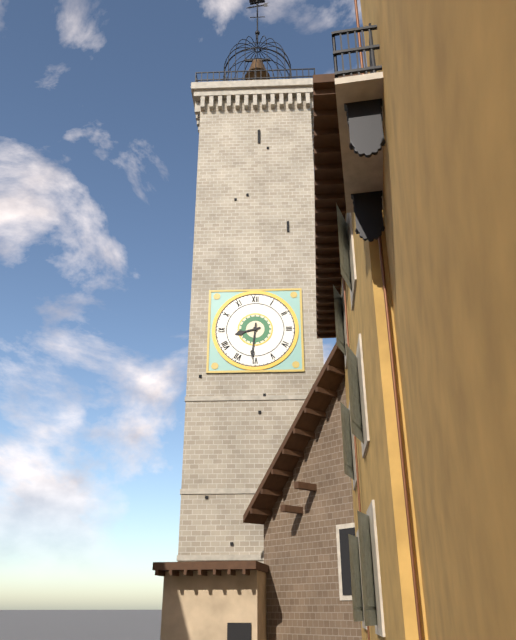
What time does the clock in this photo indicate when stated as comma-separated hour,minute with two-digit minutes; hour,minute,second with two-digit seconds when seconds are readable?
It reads 8,31
